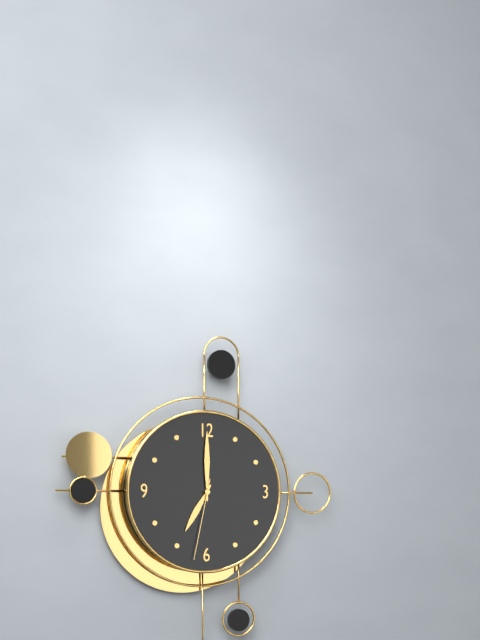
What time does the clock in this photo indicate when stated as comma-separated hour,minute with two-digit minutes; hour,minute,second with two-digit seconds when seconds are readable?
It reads 7,00,32
